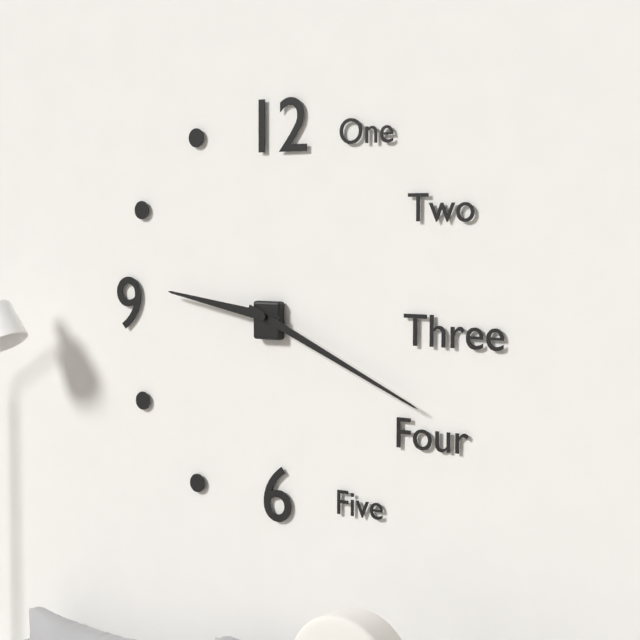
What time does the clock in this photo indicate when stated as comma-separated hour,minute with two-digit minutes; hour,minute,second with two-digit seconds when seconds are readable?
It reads 9,19
